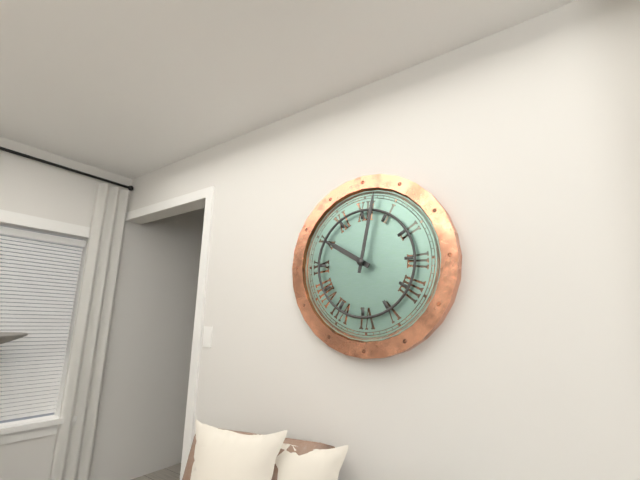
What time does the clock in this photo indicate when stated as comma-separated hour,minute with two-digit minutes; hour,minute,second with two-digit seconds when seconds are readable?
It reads 10,02
